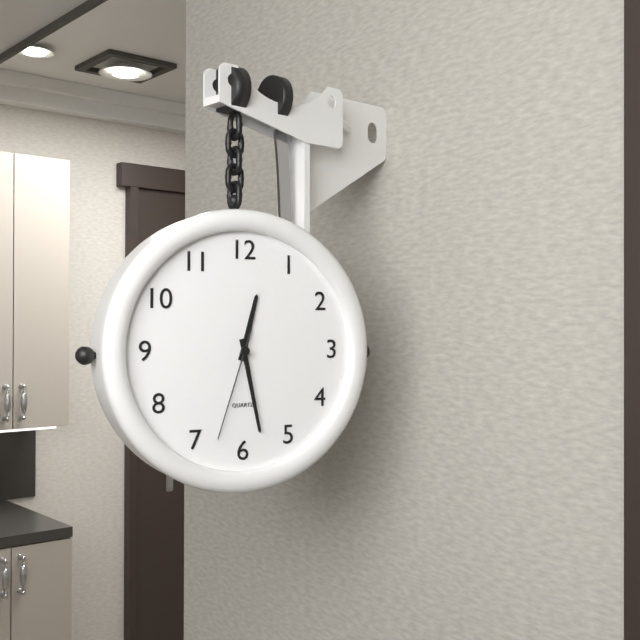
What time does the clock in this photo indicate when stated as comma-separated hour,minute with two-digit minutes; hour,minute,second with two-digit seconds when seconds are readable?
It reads 12,28,33
